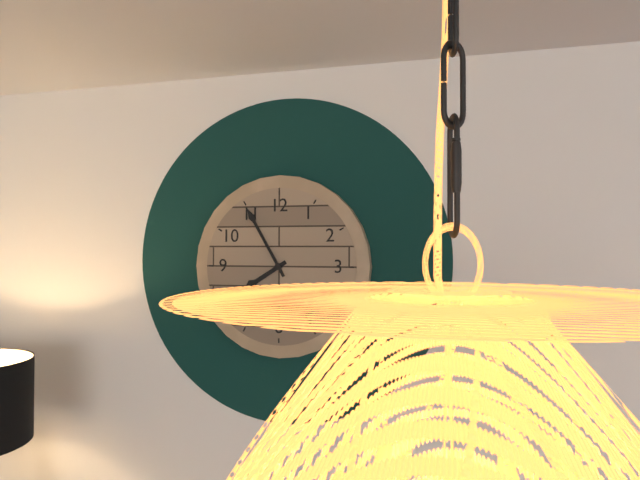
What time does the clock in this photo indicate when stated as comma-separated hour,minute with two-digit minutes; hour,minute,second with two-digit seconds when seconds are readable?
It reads 7,55
